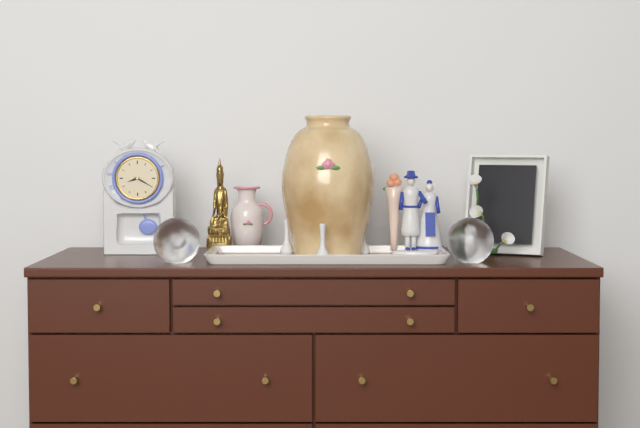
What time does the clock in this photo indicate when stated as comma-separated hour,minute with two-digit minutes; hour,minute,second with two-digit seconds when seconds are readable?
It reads 8,20
